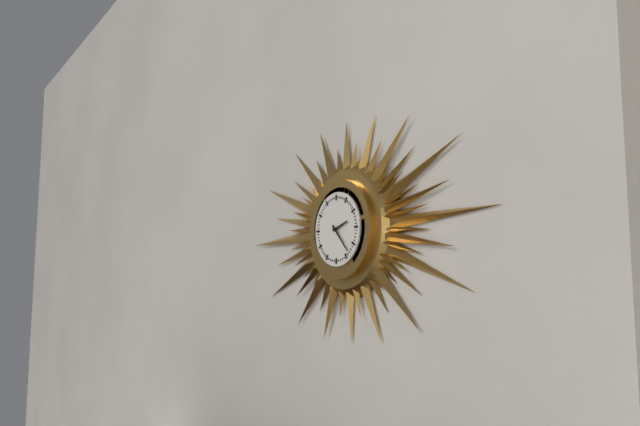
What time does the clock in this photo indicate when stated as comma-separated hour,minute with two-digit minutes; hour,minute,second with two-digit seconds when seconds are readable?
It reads 2,23
